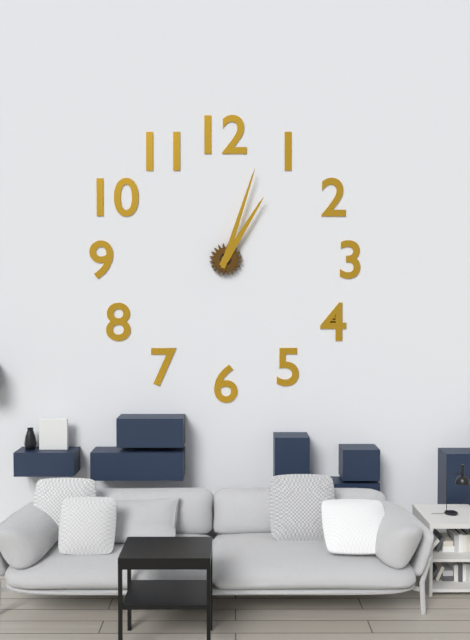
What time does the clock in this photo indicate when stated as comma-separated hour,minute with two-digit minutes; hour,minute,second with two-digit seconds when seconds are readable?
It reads 1,03
